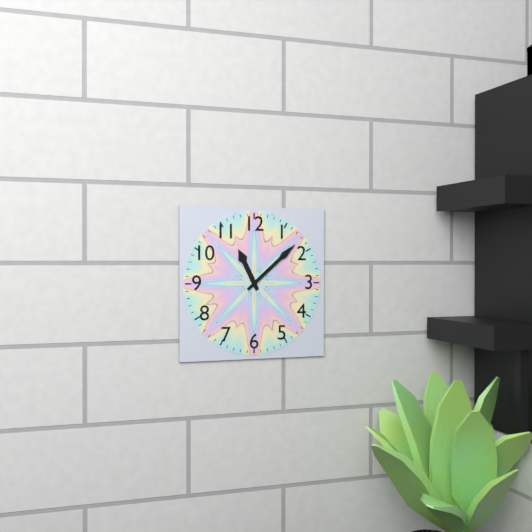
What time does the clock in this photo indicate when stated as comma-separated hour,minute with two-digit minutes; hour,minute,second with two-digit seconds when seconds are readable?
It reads 11,08
